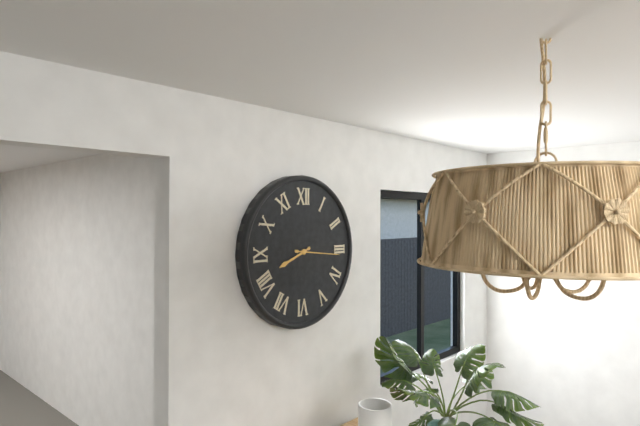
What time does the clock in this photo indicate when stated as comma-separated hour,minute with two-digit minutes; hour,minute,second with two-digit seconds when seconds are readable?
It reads 8,16
